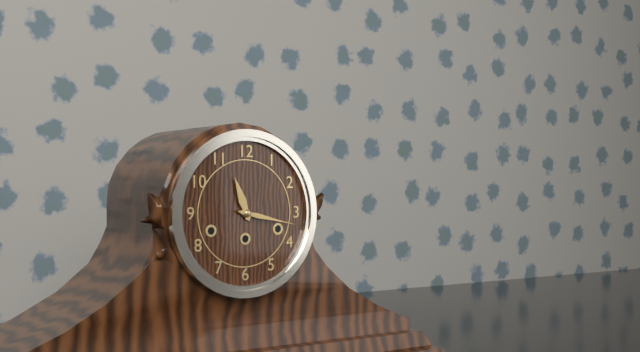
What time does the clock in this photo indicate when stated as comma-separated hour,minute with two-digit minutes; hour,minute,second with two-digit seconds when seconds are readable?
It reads 11,17
